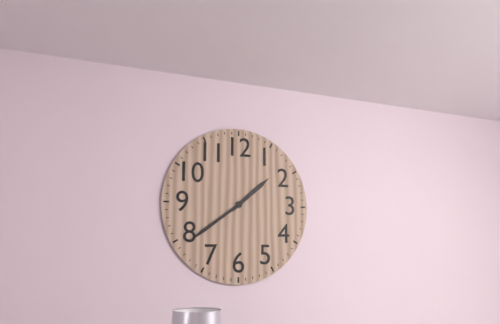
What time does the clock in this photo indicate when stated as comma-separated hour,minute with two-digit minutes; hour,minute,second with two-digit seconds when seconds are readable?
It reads 1,39
